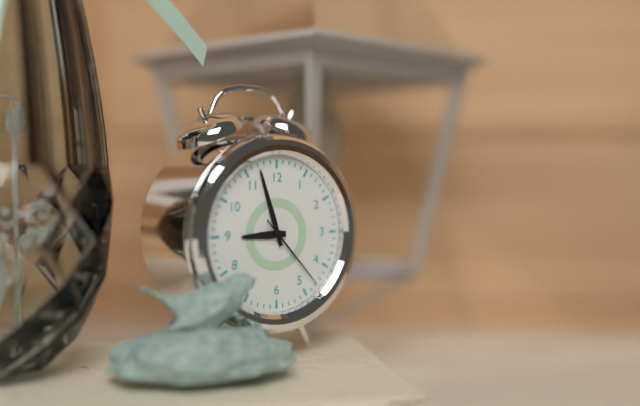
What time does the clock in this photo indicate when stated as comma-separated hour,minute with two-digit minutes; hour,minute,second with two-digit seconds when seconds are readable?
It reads 8,57,23
